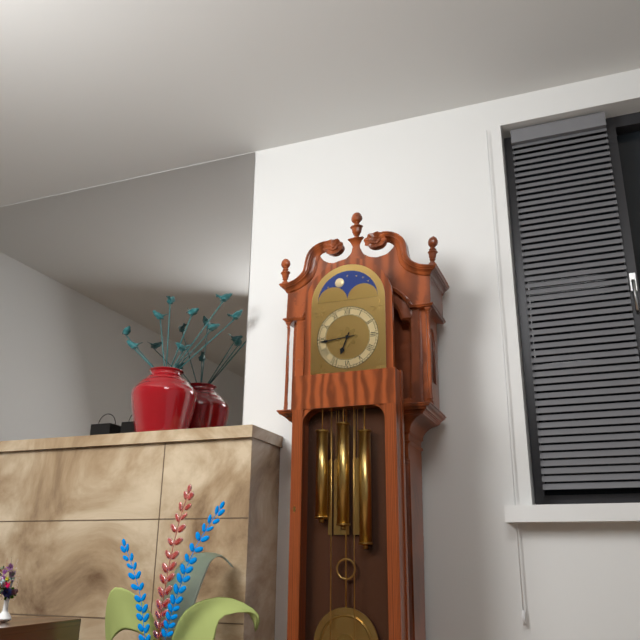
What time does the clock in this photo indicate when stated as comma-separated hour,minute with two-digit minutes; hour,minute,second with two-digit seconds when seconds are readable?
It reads 6,44
